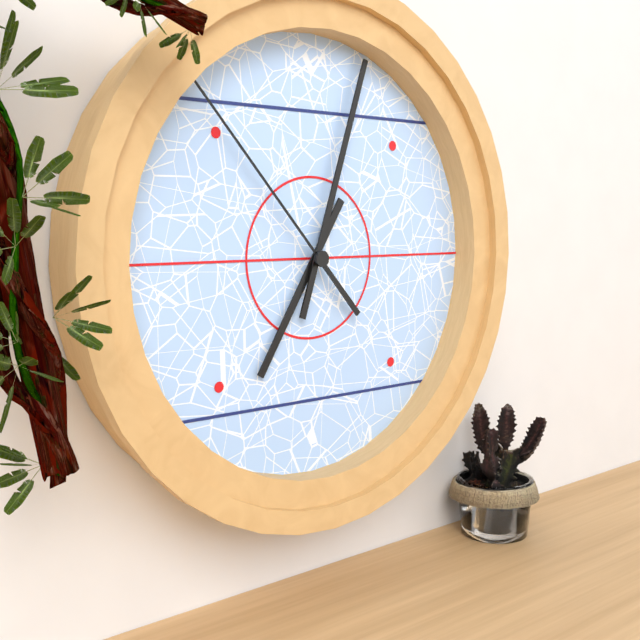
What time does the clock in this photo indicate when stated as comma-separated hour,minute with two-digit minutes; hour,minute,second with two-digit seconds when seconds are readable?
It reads 7,03,53
